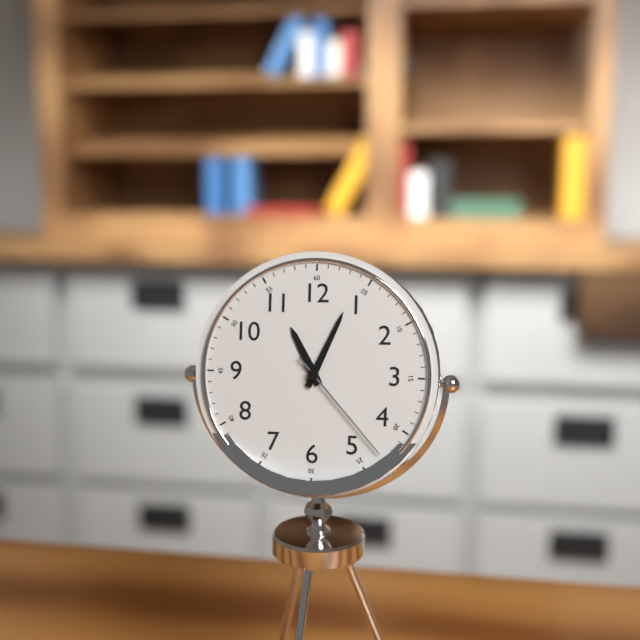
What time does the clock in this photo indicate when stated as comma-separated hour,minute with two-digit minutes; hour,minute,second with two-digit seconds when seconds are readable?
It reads 11,04,23
